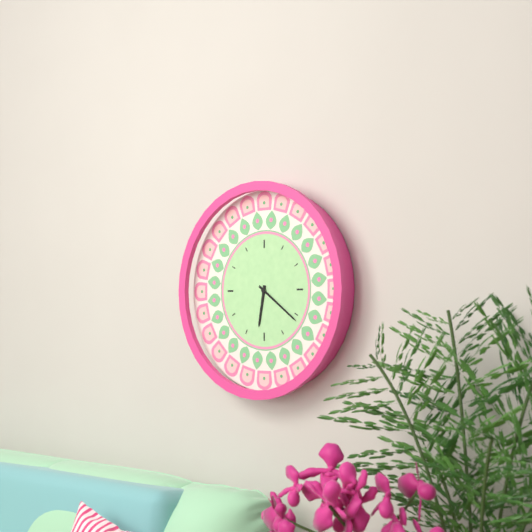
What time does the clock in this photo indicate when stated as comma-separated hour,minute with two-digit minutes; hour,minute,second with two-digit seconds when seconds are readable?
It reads 6,21
